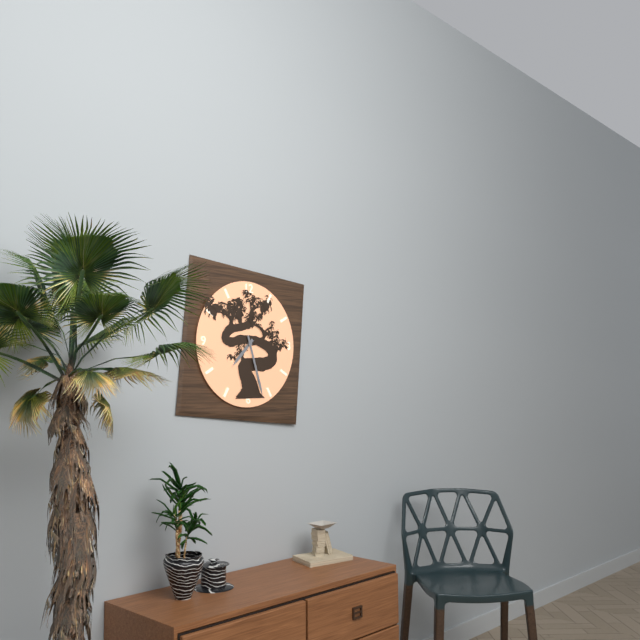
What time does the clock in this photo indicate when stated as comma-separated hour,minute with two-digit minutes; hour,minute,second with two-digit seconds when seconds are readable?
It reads 7,27
